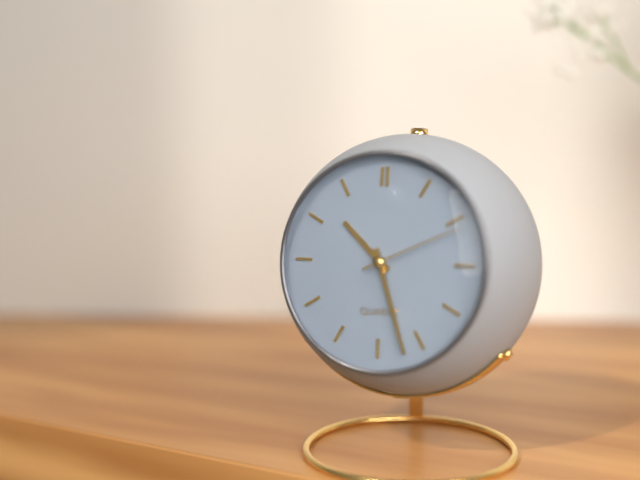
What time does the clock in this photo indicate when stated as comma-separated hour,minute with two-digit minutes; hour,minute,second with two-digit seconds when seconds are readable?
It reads 10,27,11
